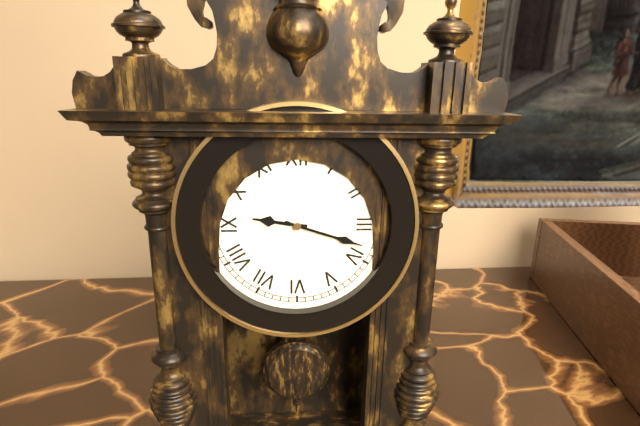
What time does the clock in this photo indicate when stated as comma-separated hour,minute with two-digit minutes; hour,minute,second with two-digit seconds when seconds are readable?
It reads 9,18
